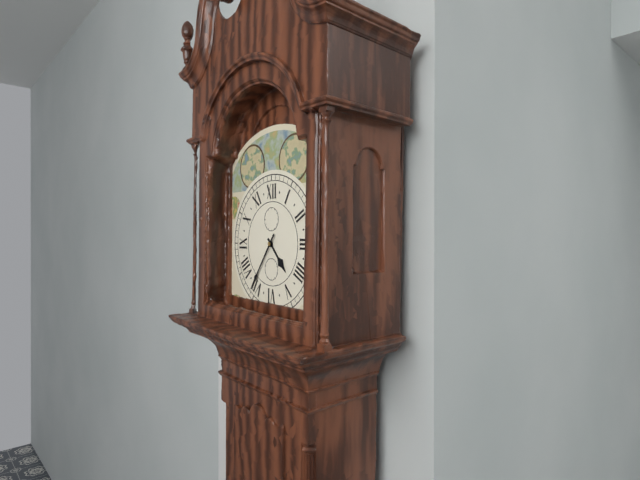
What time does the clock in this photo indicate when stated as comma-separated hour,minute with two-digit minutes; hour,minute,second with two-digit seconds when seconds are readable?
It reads 4,36
